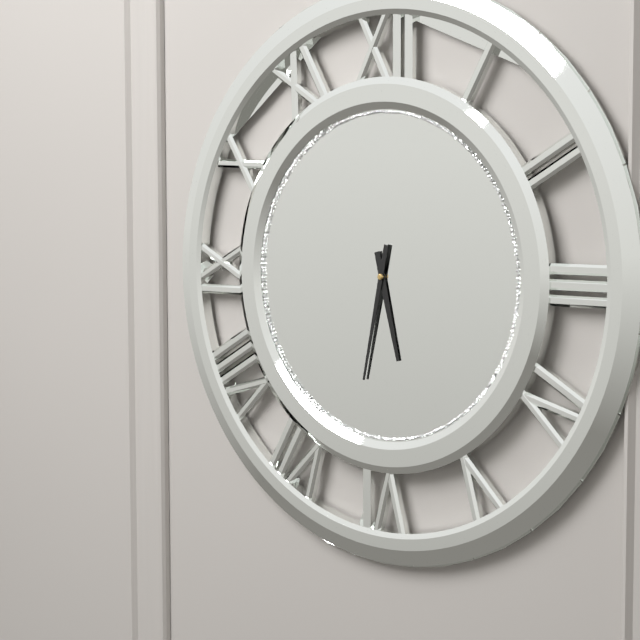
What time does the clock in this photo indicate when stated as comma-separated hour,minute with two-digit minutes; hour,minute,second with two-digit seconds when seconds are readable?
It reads 5,32
